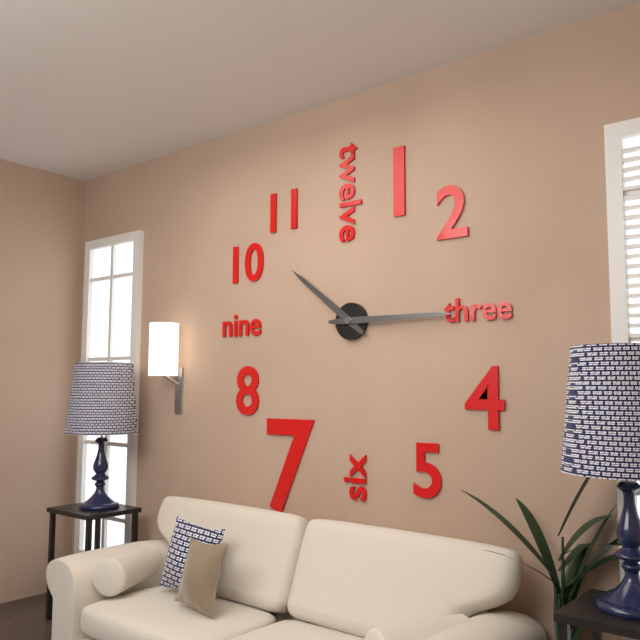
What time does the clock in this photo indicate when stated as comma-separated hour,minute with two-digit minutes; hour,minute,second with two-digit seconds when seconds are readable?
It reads 10,15
